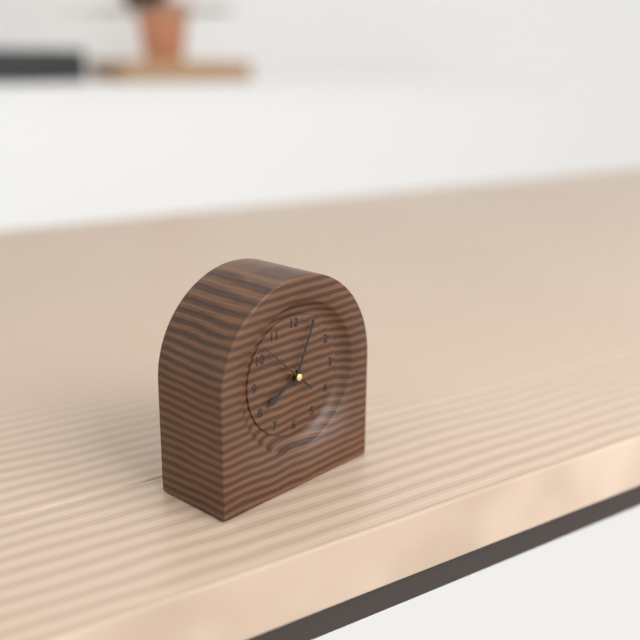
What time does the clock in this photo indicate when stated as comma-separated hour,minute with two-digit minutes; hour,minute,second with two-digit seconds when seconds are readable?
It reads 8,04,52
